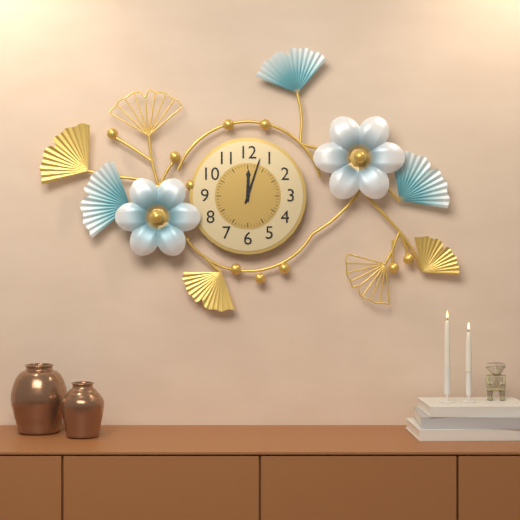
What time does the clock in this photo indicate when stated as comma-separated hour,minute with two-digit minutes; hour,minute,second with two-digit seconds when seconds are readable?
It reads 12,03
